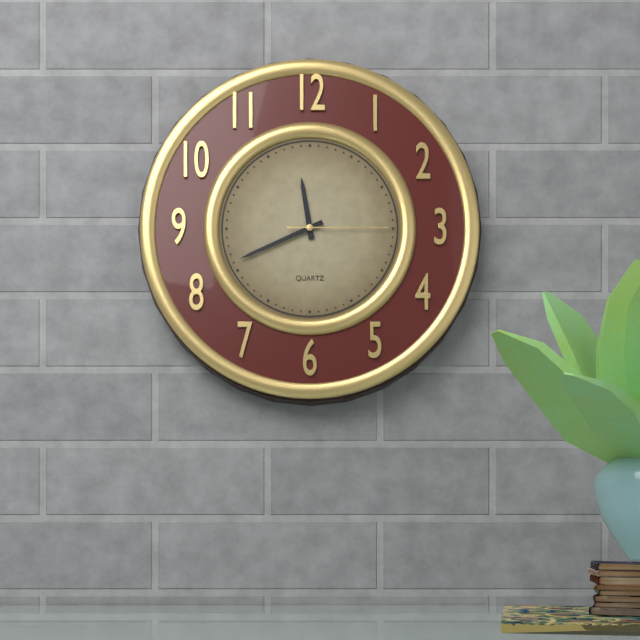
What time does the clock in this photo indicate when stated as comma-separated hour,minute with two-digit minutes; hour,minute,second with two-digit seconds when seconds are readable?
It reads 11,41,15
